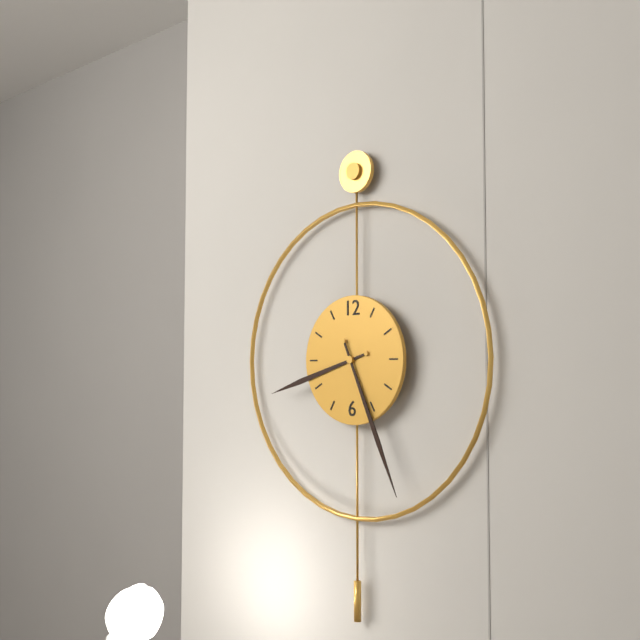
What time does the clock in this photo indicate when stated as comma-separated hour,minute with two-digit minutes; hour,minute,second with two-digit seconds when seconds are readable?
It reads 8,26
